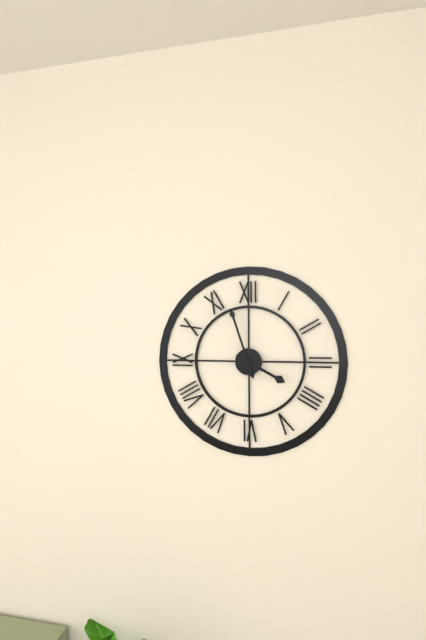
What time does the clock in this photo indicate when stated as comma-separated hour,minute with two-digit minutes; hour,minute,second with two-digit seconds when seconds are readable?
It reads 3,57
